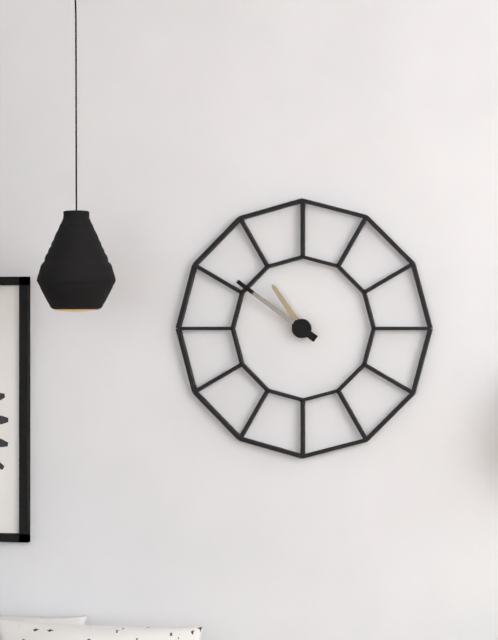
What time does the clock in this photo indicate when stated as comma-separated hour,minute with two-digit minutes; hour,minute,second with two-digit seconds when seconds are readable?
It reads 10,51
